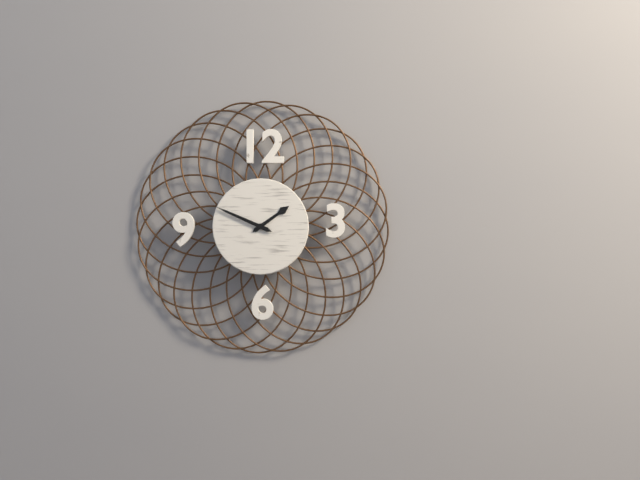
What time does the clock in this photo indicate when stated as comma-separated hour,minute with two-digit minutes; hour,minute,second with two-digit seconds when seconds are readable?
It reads 1,49
